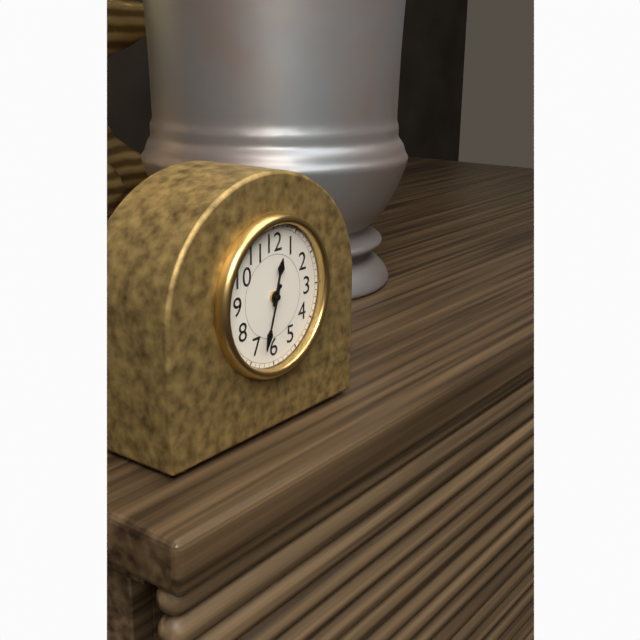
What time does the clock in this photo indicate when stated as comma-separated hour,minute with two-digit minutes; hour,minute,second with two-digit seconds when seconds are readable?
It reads 12,33
